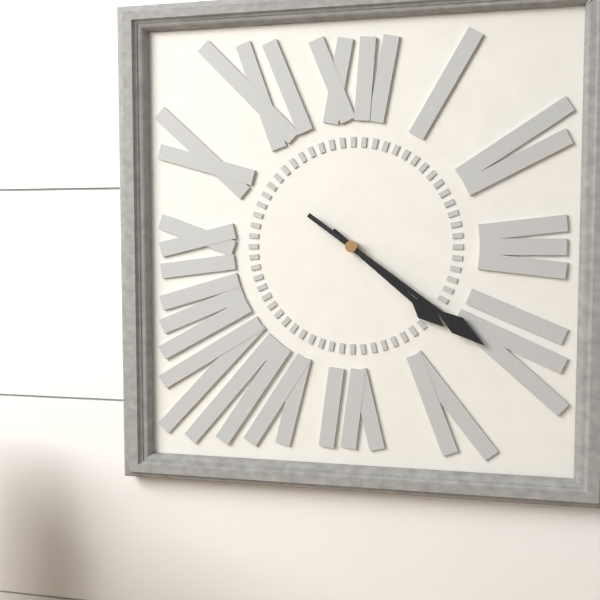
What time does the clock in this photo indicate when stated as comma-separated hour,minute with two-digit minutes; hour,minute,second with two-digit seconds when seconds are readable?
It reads 4,21
